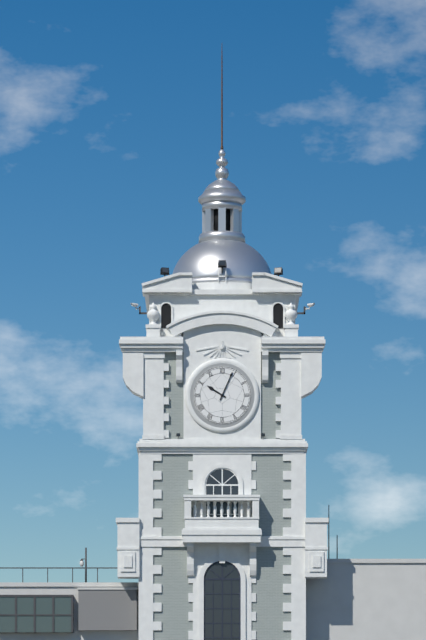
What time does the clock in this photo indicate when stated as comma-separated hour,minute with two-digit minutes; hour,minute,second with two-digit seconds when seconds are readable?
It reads 10,04
